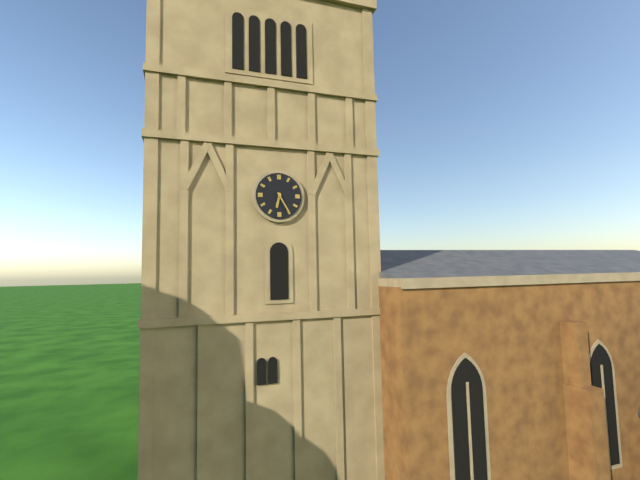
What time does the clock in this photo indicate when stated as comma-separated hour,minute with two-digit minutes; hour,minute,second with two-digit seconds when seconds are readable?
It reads 6,25
